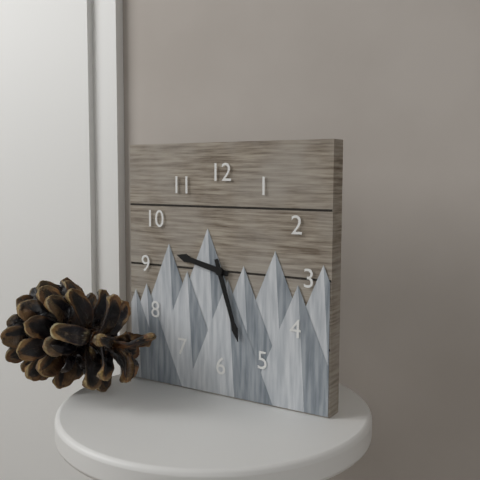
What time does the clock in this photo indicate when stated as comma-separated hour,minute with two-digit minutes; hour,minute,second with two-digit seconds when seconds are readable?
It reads 9,27
